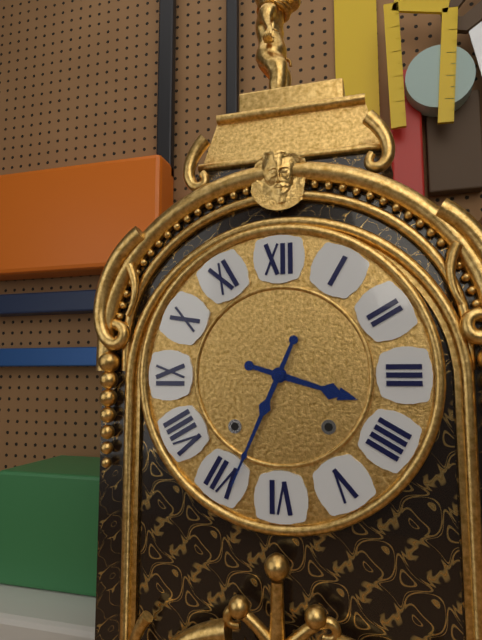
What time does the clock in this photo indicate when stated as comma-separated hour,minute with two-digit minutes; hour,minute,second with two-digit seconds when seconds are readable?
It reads 3,34
